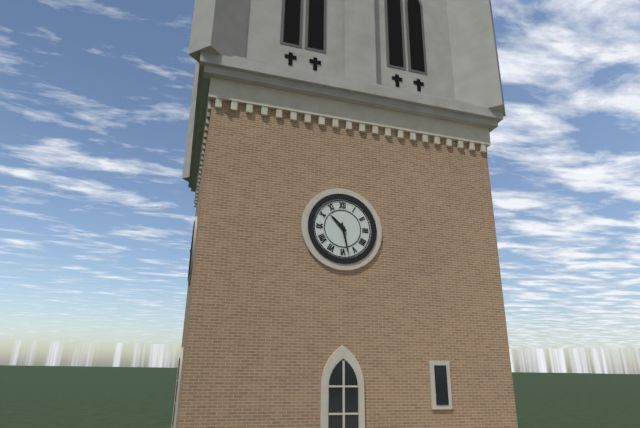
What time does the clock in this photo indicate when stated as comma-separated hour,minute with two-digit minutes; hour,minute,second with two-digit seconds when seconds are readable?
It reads 10,28
